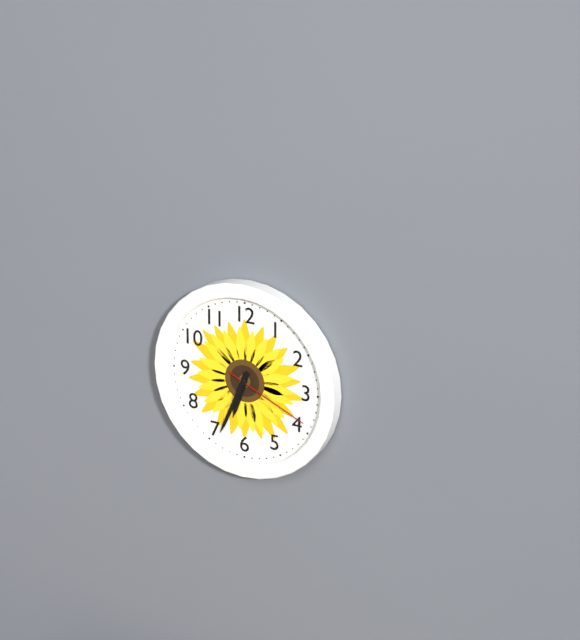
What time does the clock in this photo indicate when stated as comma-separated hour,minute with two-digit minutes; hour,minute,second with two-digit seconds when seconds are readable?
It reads 6,34,19
